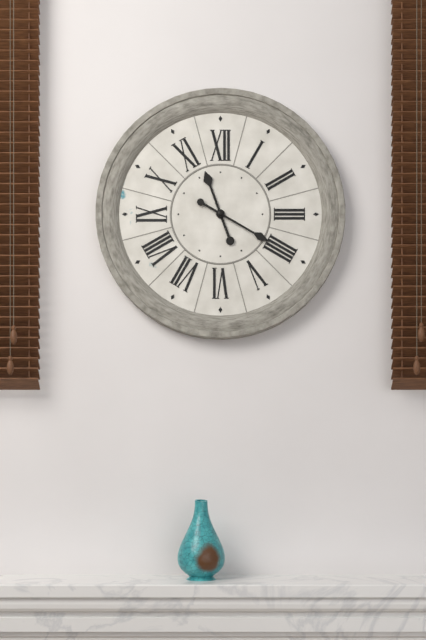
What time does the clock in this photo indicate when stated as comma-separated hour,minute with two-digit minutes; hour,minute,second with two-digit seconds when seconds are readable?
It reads 11,20
